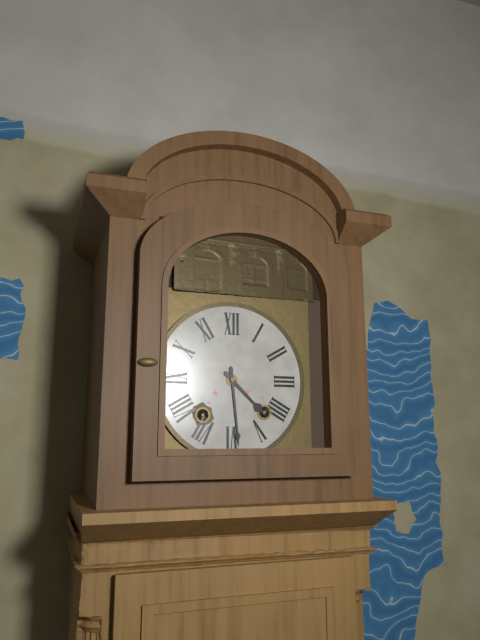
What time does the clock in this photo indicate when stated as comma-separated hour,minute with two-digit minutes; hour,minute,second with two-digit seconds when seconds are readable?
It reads 4,29
